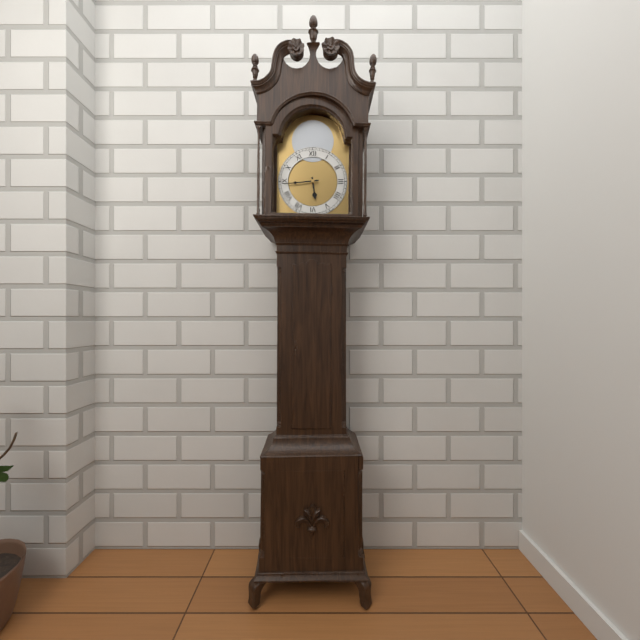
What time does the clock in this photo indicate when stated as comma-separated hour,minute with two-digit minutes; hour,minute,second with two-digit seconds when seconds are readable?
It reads 5,44
